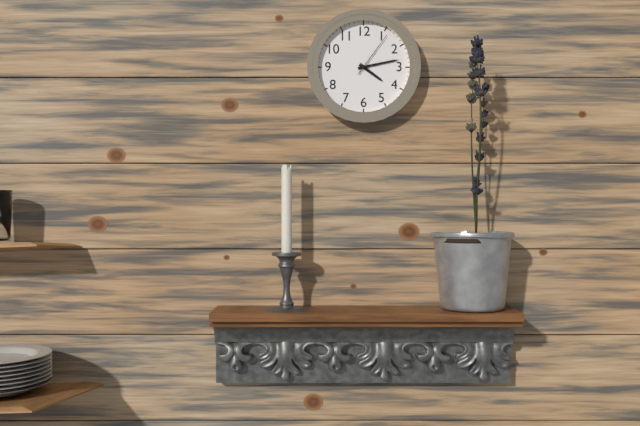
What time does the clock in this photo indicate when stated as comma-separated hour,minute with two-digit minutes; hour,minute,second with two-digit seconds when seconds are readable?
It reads 4,13
